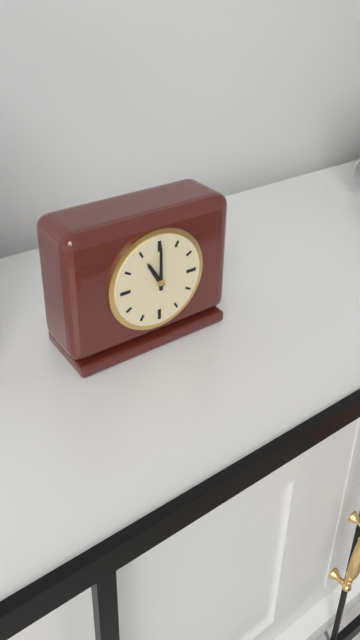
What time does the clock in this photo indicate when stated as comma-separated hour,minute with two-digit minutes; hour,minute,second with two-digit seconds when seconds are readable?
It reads 11,00
